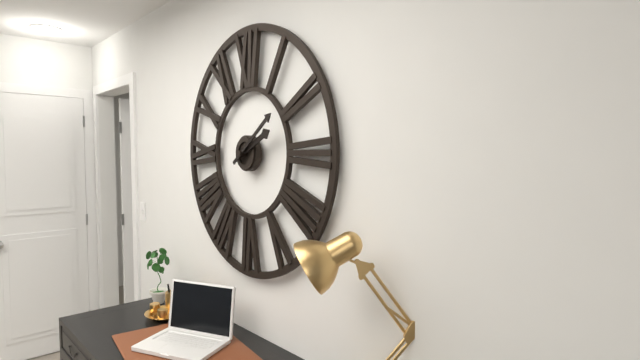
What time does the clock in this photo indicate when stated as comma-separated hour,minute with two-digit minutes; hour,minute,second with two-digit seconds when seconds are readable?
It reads 2,09
